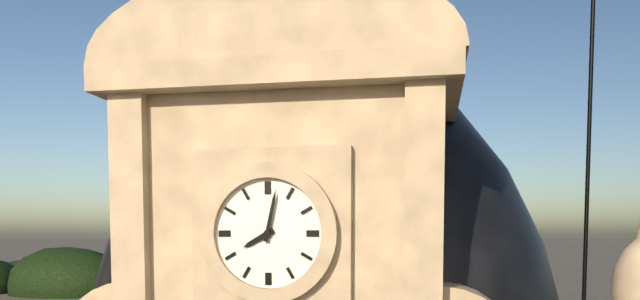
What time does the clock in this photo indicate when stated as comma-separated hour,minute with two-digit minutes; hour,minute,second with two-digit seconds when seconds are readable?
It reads 8,02
